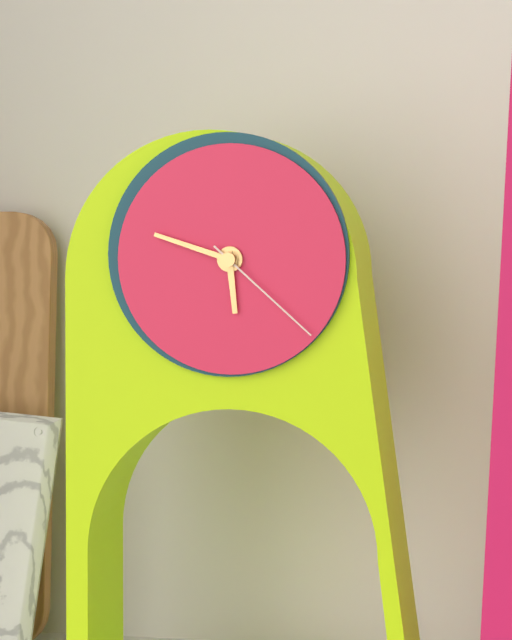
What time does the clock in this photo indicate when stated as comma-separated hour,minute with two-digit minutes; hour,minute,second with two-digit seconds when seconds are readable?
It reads 5,48,22
